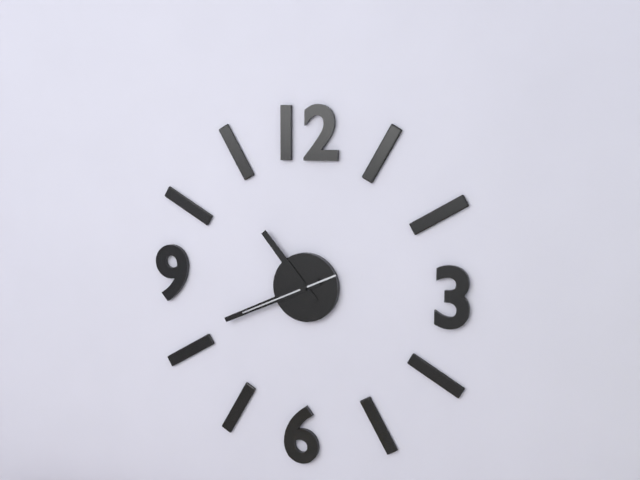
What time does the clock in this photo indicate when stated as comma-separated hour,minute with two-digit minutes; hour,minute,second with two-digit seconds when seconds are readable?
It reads 10,41,41
